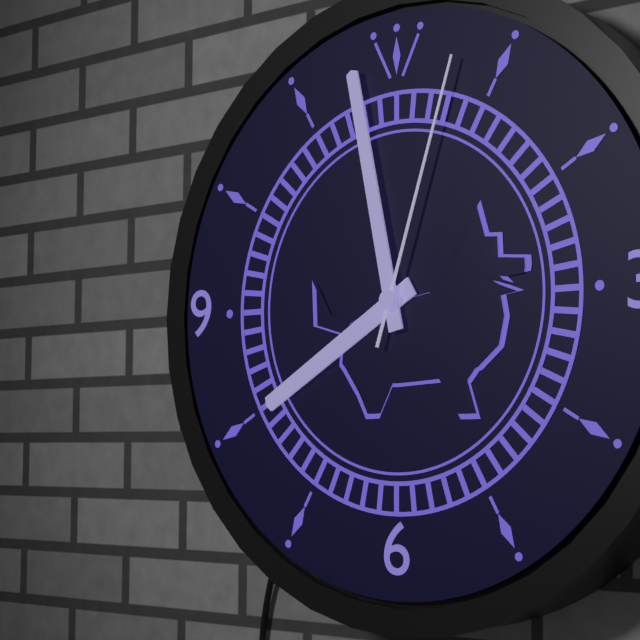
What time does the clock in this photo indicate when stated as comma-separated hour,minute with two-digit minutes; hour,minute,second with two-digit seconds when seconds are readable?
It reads 7,58,03
